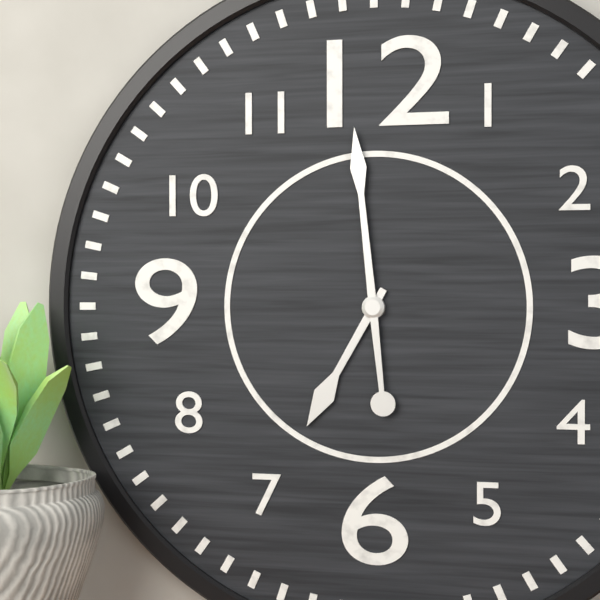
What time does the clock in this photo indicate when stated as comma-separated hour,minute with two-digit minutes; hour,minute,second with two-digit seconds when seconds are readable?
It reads 6,59
